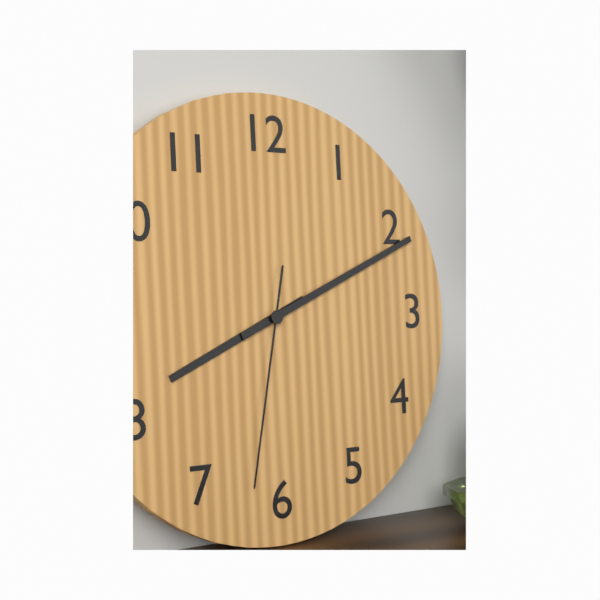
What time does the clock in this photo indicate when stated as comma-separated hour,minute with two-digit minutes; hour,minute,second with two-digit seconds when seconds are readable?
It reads 8,11,32
